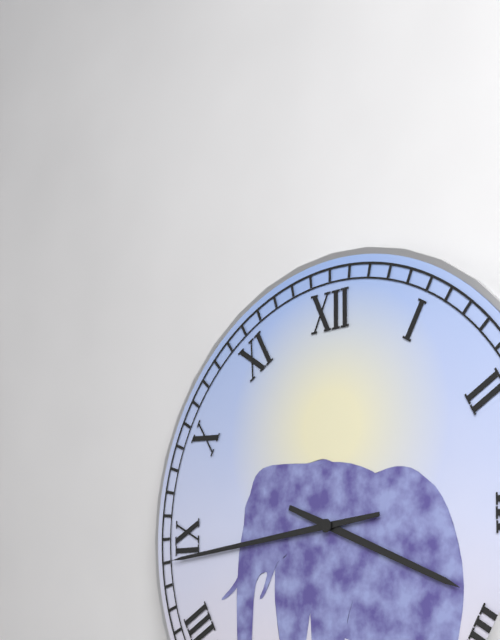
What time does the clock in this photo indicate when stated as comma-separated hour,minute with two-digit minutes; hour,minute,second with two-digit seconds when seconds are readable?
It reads 3,44
